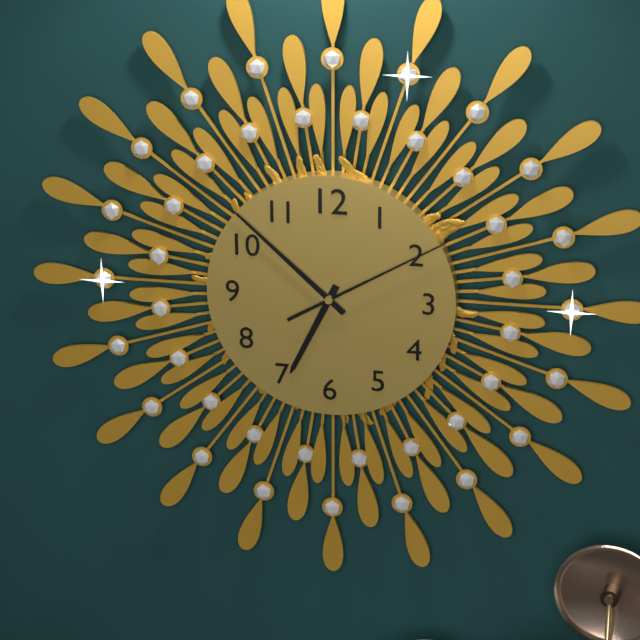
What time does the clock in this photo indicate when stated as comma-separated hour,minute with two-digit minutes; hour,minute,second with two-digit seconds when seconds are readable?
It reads 6,52,10
